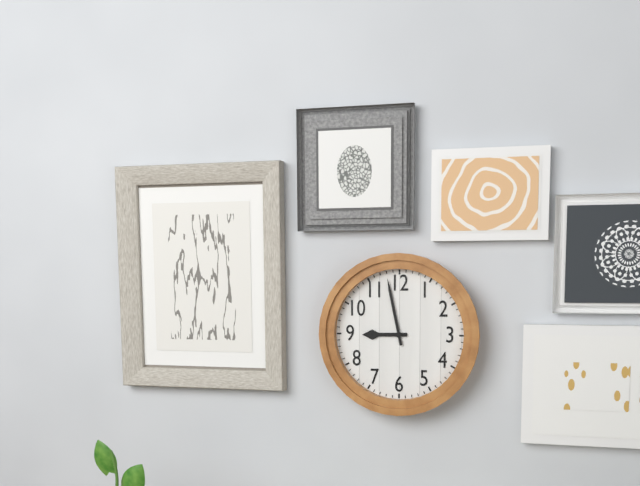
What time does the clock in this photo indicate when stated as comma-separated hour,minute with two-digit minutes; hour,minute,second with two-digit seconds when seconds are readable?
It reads 8,58
